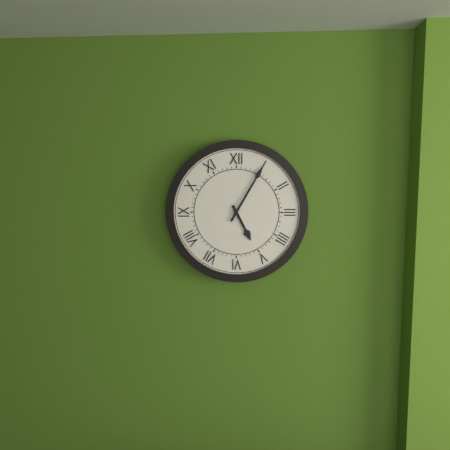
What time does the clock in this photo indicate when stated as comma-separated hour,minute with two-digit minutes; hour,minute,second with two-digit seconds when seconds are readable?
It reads 5,05
